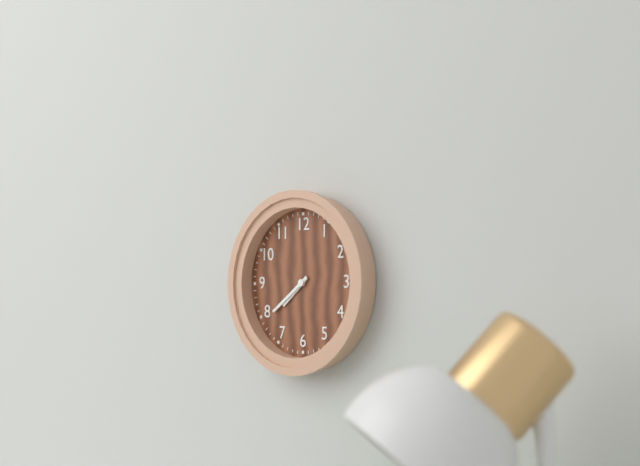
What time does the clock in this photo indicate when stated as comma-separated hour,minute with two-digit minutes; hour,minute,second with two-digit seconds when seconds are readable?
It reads 7,39
